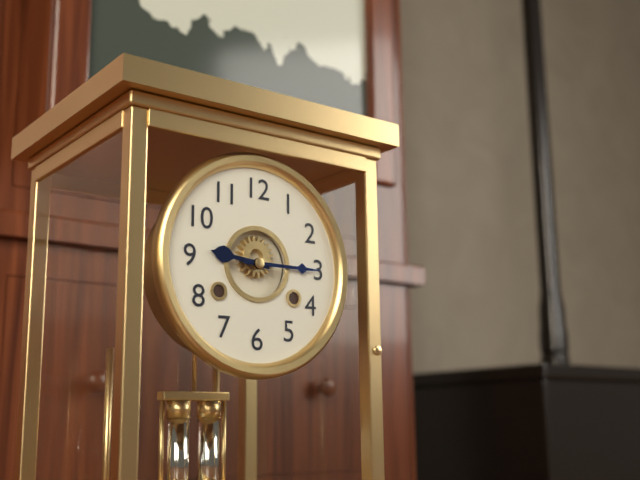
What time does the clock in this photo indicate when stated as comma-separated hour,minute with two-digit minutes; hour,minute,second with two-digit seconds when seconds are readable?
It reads 9,15
